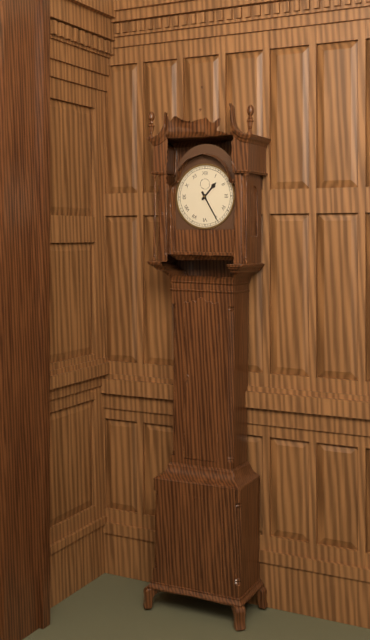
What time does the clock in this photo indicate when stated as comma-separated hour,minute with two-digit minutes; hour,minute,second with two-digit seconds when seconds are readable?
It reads 1,25
